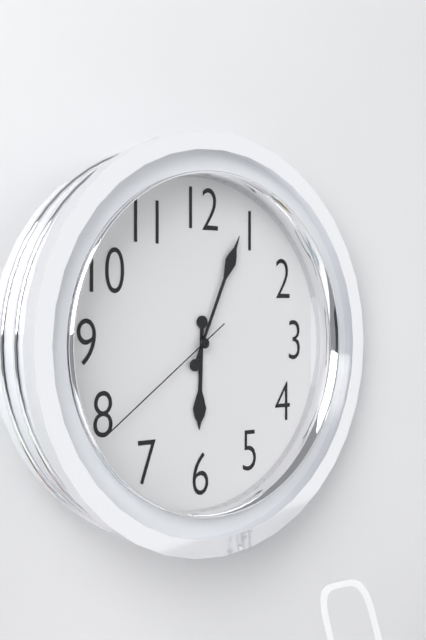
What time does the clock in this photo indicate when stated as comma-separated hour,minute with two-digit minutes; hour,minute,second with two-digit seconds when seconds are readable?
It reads 6,04,39
